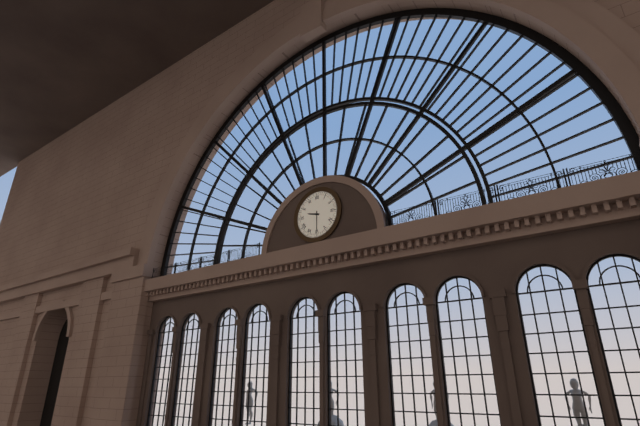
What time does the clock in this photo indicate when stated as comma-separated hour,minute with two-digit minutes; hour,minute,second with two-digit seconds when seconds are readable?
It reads 9,30
